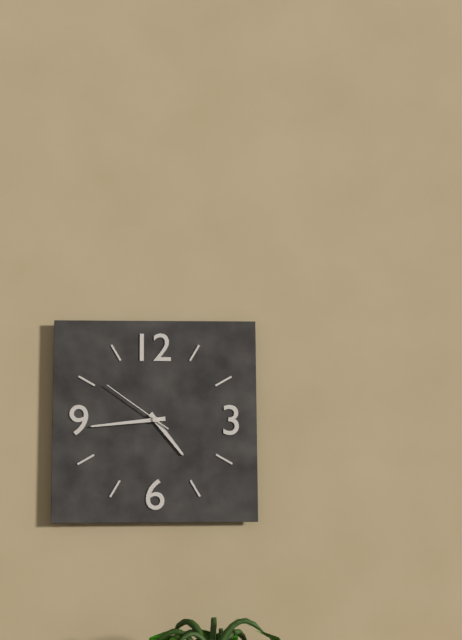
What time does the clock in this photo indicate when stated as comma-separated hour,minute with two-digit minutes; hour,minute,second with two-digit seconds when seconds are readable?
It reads 4,44,51
